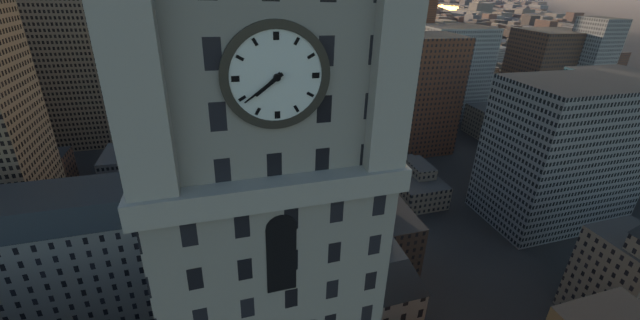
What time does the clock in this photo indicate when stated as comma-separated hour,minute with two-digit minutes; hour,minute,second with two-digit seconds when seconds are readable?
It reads 7,39
